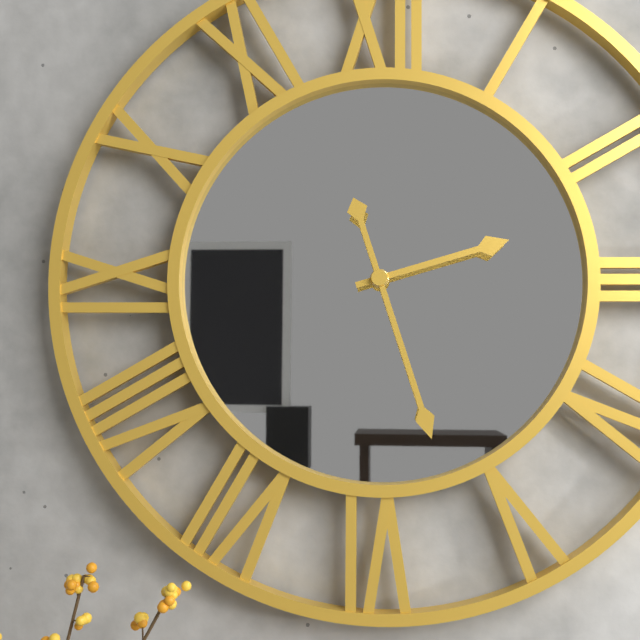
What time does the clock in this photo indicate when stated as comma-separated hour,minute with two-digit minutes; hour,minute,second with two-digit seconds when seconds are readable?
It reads 2,27
